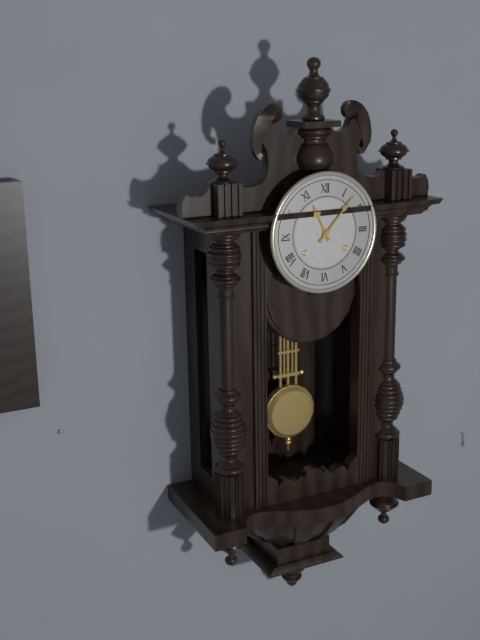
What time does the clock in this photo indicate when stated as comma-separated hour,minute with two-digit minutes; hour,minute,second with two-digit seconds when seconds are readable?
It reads 11,07
